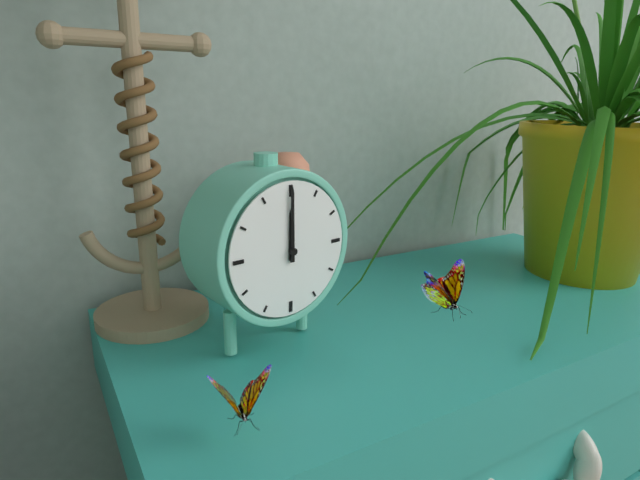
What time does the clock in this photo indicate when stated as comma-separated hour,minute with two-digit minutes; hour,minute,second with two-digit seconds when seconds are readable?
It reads 12,00
